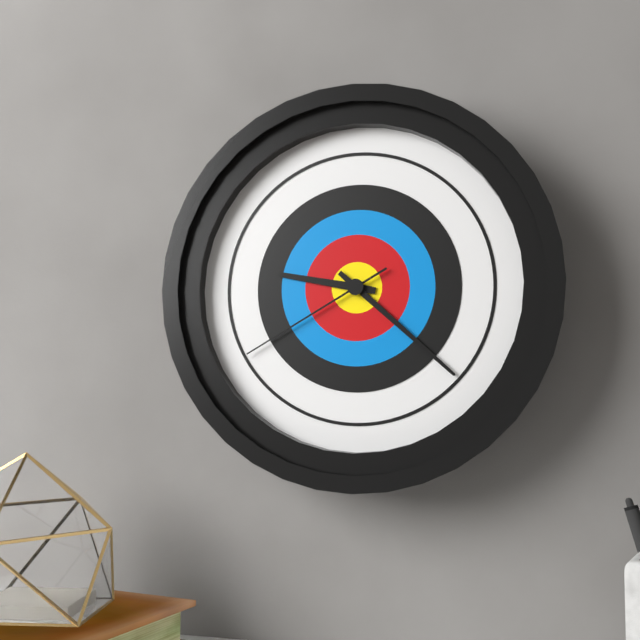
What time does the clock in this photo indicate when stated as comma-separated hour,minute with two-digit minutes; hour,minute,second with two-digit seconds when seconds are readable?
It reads 9,22,40
